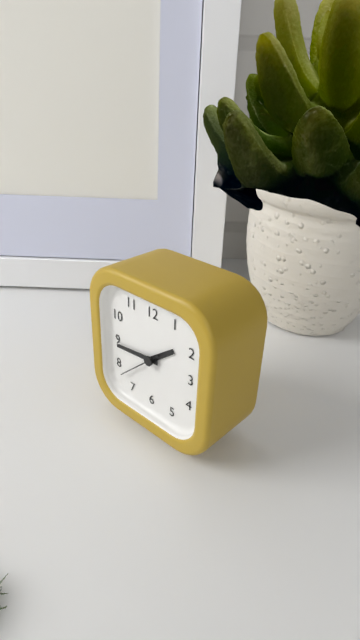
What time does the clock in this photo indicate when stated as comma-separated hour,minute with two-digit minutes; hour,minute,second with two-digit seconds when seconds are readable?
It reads 1,44
